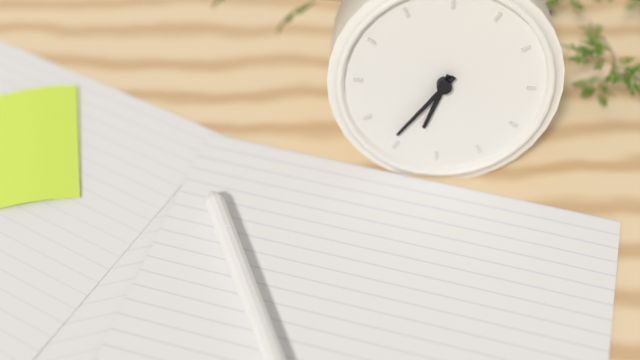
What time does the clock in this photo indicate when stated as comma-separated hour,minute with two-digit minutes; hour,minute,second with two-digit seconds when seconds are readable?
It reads 6,36
